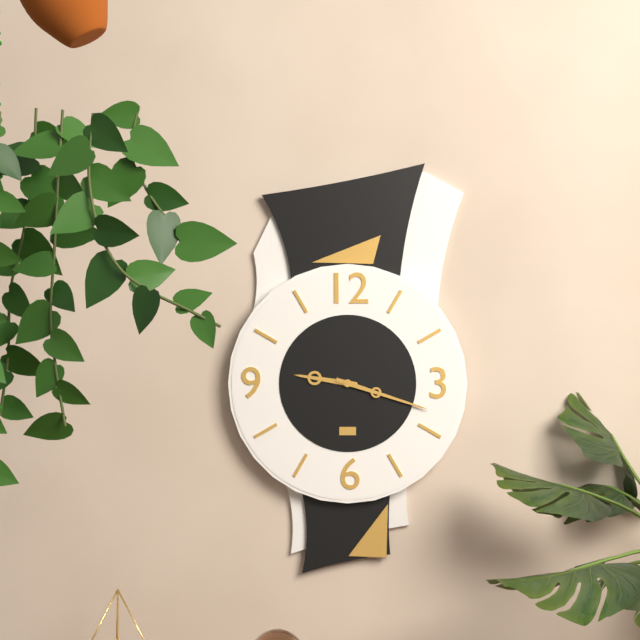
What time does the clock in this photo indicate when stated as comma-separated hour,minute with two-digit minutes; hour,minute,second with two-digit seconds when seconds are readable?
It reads 9,18
